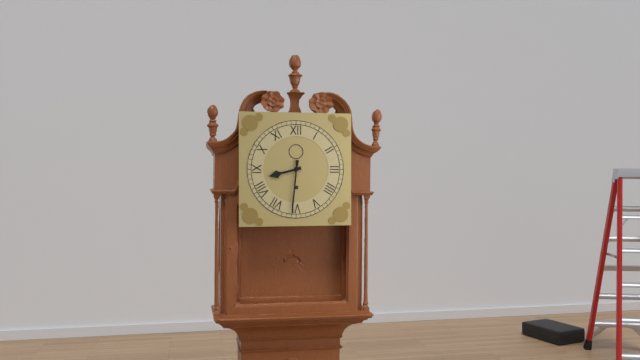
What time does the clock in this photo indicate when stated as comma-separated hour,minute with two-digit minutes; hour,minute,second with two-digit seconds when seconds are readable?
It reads 8,31
